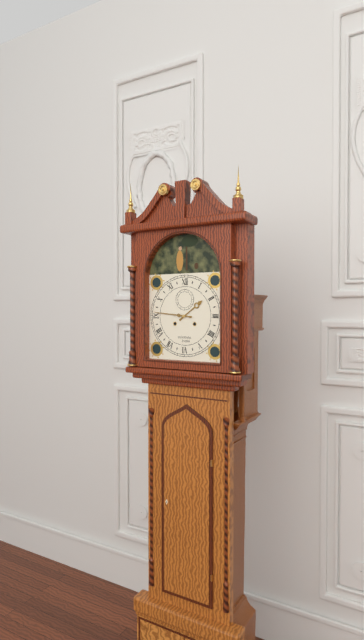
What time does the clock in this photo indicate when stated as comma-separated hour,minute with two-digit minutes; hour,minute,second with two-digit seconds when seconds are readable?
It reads 1,46
